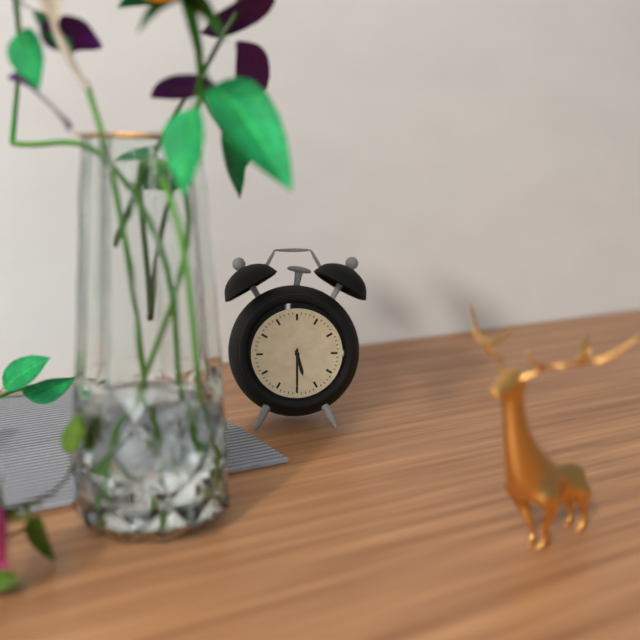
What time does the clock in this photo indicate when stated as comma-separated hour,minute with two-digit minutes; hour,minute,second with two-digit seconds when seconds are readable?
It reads 5,30
